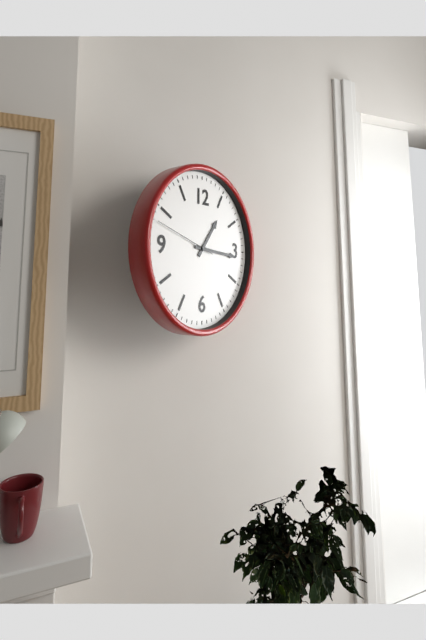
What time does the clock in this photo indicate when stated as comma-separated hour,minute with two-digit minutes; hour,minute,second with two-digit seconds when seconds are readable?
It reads 1,16,48
